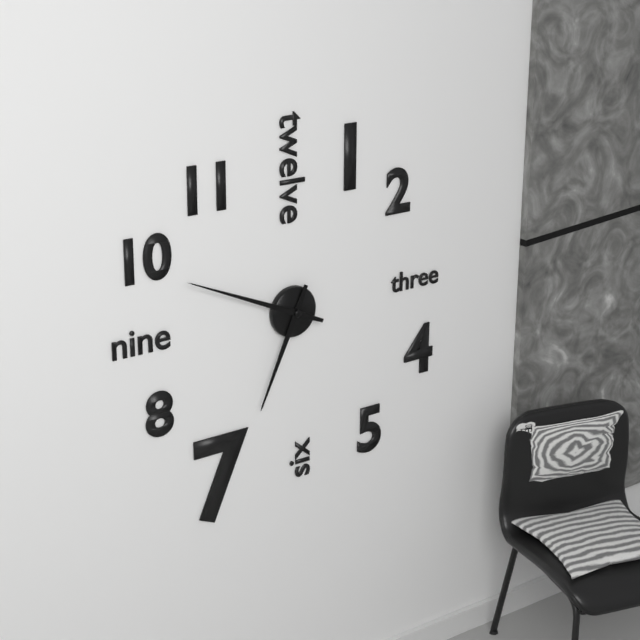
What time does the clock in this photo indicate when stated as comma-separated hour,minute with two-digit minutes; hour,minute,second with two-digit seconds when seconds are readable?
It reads 6,49
